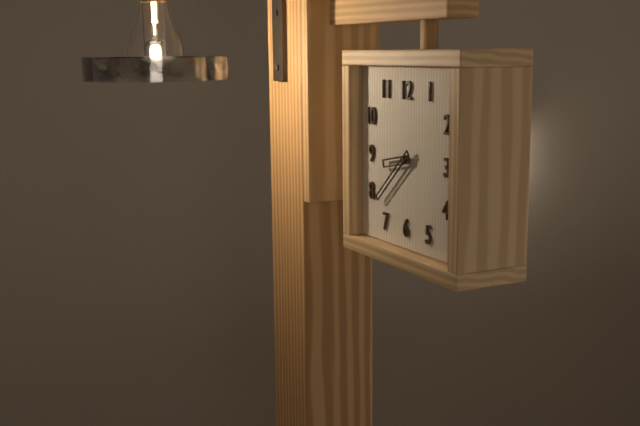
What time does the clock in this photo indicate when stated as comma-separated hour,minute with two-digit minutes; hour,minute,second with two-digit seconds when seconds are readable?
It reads 8,38
